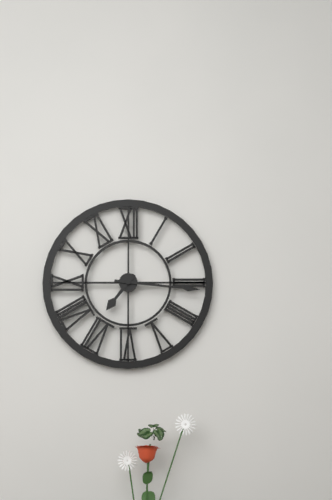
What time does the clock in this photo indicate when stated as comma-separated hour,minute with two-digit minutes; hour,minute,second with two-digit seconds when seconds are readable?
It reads 7,16
